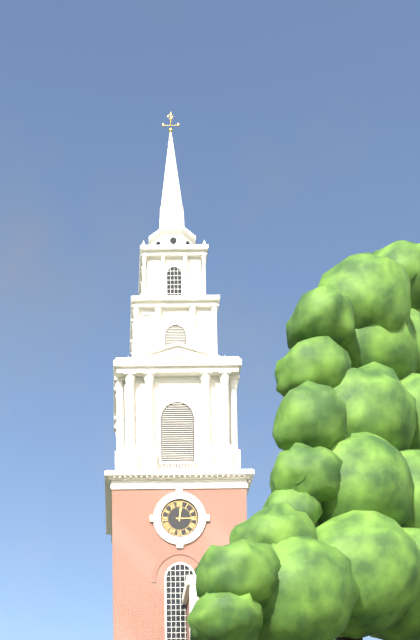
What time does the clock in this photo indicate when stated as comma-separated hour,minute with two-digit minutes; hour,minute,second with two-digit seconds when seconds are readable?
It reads 12,15
